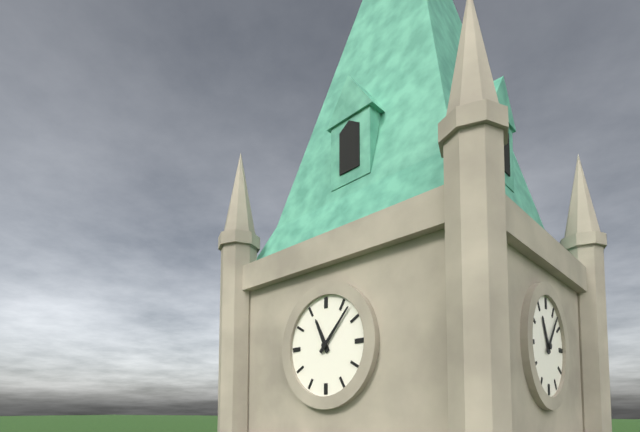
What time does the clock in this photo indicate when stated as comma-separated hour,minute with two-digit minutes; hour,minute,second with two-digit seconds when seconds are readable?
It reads 11,07
